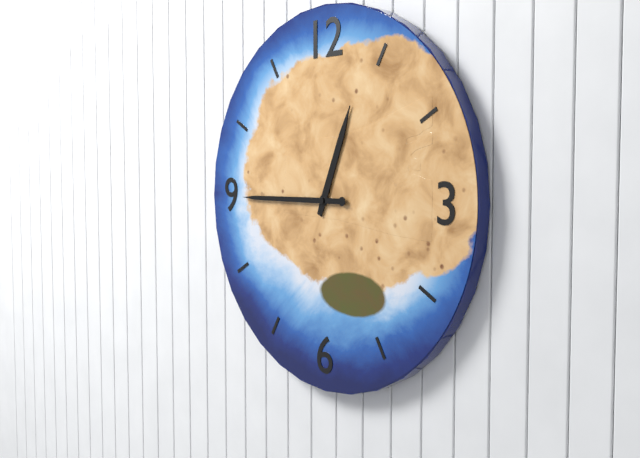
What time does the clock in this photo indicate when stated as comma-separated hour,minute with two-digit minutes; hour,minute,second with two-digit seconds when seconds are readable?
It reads 12,45
